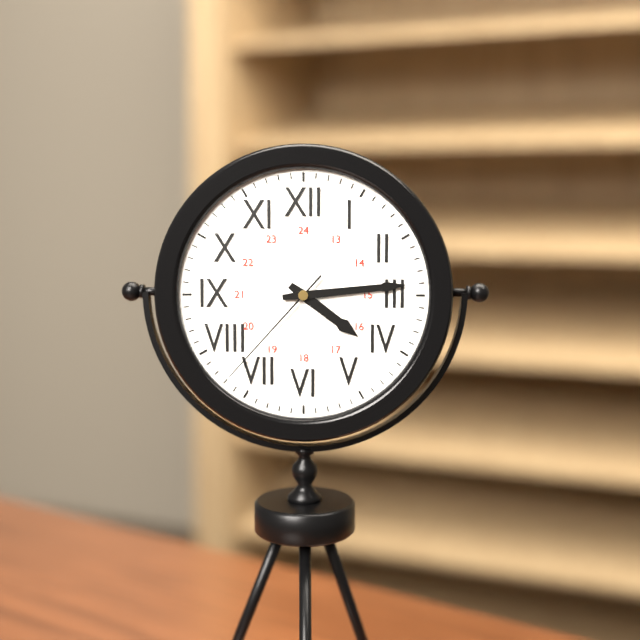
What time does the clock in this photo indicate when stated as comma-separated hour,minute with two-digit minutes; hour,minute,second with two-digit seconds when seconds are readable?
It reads 4,14,37
